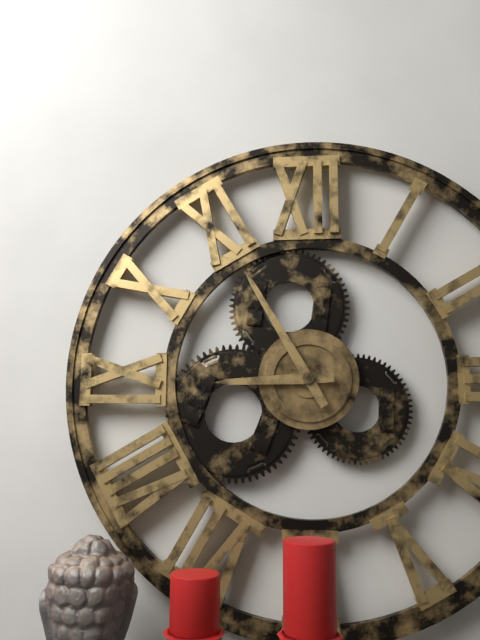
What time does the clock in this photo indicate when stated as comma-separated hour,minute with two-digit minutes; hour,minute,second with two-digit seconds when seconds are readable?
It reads 8,55
